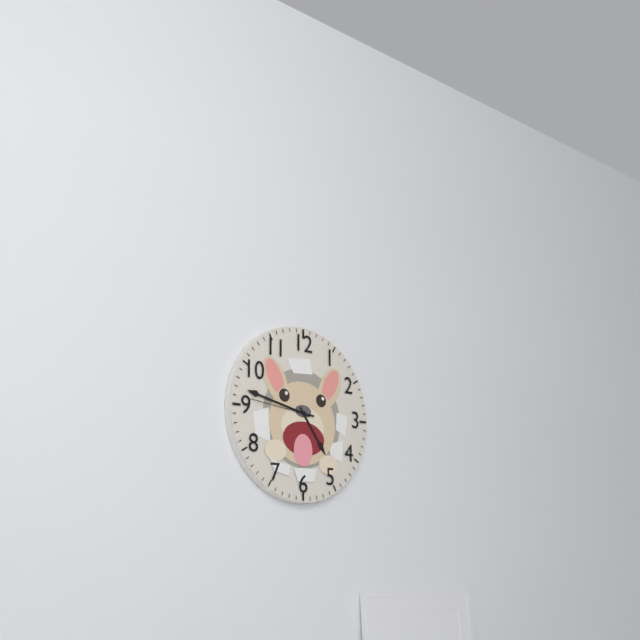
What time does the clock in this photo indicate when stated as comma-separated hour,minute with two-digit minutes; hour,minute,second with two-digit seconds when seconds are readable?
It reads 4,47,46
